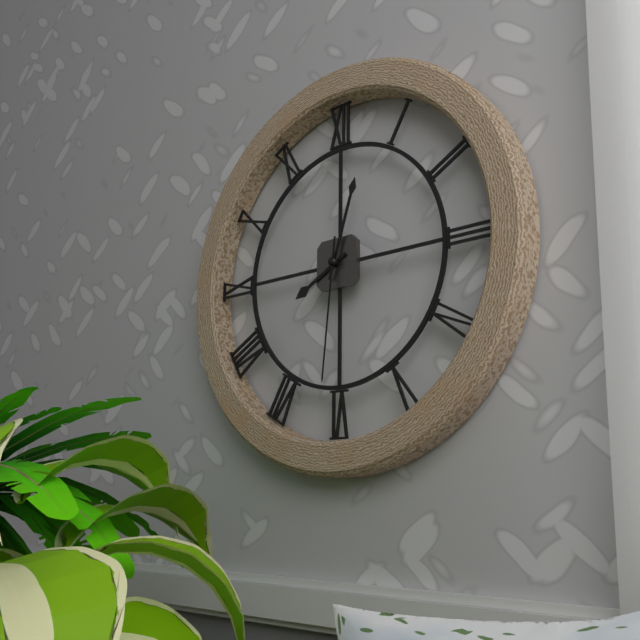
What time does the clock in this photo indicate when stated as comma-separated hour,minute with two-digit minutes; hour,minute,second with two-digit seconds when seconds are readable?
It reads 8,03,31
